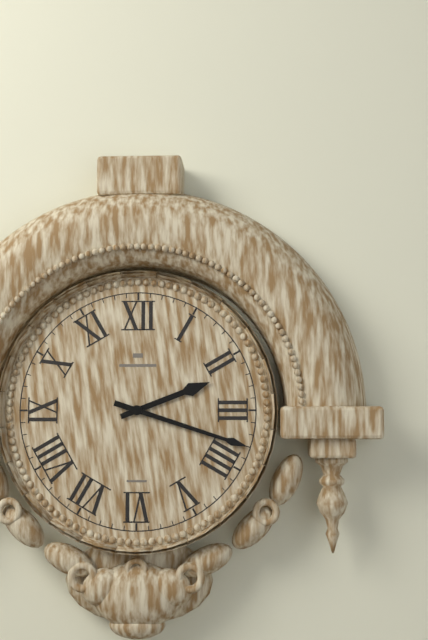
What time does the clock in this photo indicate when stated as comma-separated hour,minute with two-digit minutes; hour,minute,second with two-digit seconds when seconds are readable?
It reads 2,18
